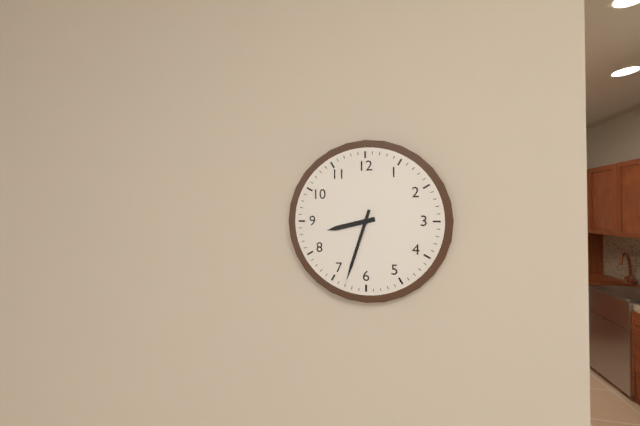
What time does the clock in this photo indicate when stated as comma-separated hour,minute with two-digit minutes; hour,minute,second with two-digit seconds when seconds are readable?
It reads 8,33
